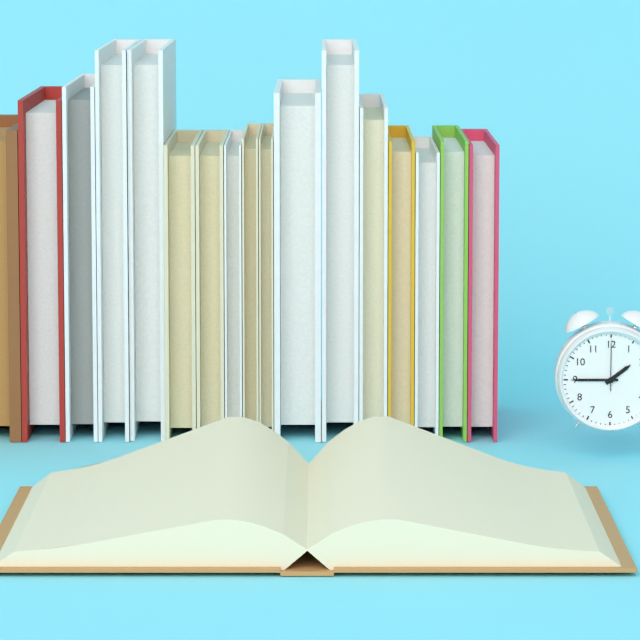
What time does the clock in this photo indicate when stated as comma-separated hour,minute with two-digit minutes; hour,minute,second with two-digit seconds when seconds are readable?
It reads 1,45,00
